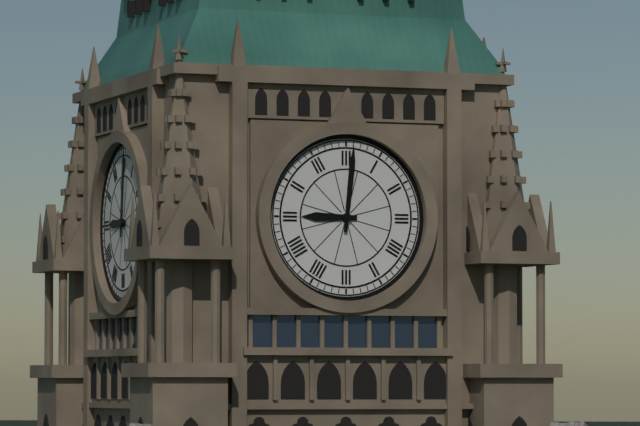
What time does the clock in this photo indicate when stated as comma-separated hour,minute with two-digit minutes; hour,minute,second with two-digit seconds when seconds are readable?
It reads 9,01
